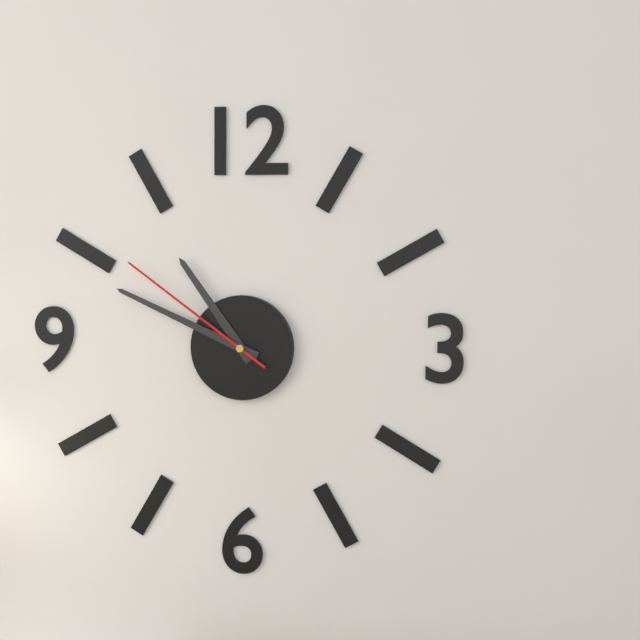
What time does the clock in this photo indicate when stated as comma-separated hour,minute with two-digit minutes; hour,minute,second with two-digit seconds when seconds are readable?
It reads 10,49,51
